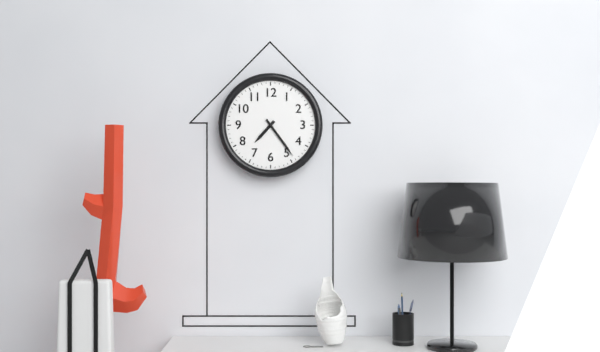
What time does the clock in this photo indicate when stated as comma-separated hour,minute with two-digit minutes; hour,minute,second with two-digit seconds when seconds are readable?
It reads 7,24
